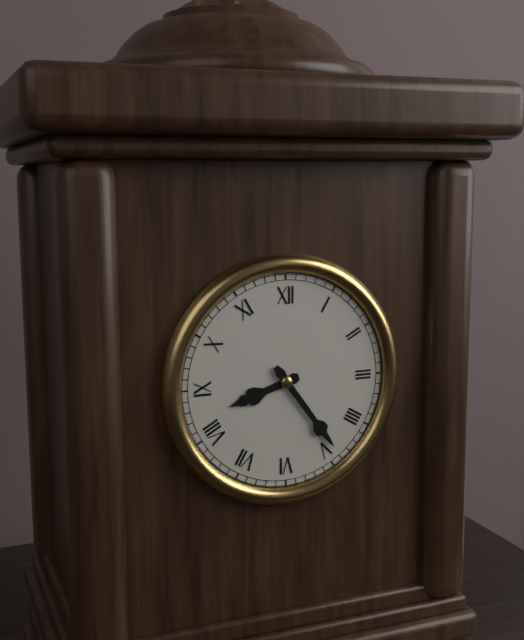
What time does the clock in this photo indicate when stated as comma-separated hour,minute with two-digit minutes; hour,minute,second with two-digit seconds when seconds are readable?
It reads 8,24
